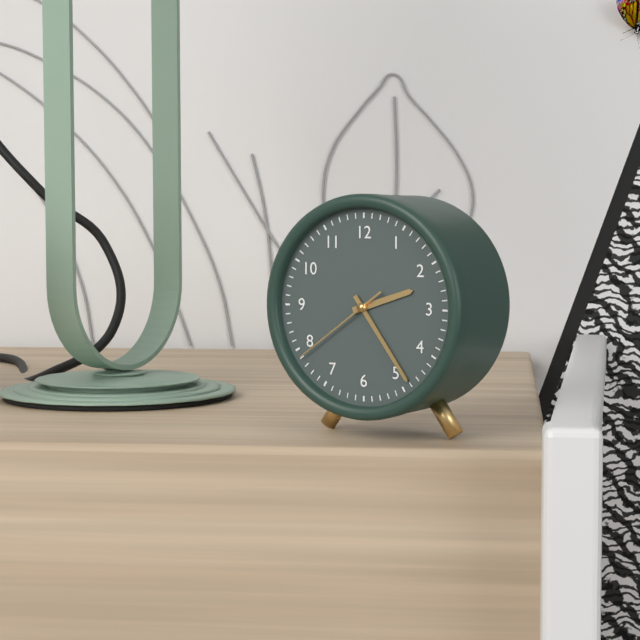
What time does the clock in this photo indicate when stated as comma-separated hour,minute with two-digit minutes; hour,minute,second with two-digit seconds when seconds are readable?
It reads 2,24,39
